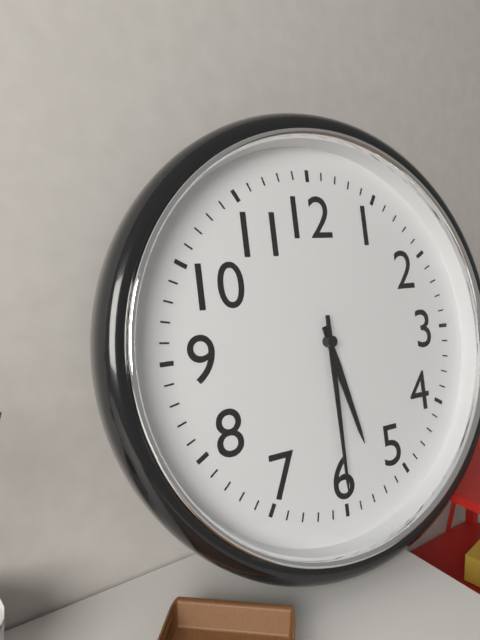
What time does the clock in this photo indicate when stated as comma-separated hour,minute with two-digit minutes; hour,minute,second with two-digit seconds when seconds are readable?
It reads 5,30
